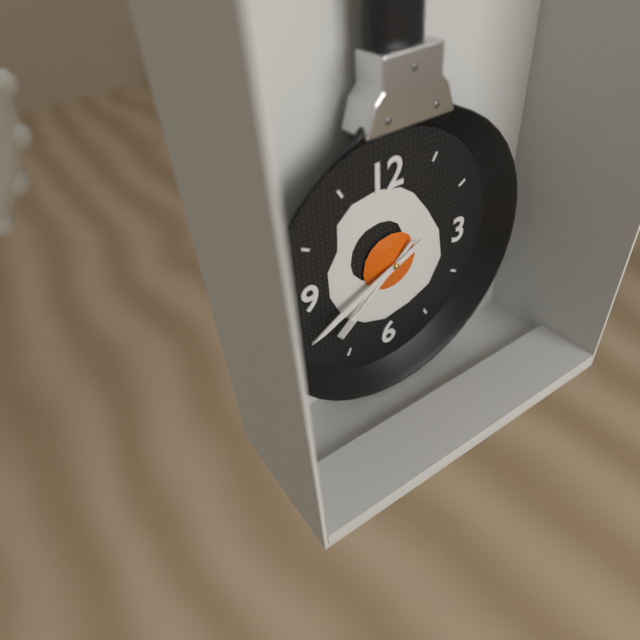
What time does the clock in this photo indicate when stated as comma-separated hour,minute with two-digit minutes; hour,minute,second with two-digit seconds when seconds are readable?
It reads 7,41
